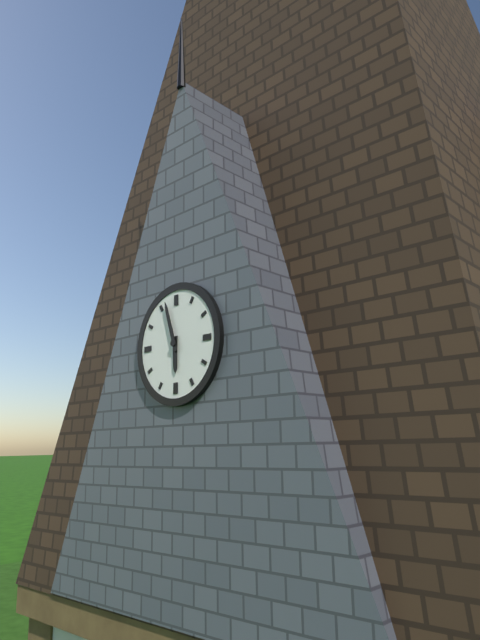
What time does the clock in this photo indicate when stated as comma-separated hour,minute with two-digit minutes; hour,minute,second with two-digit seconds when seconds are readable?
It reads 5,57
